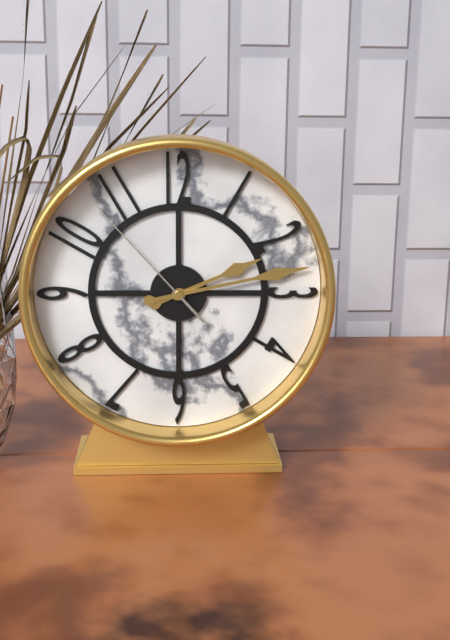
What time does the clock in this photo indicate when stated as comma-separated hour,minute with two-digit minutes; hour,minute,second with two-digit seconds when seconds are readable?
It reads 2,13,53
